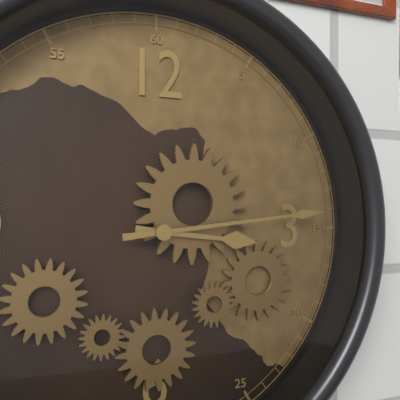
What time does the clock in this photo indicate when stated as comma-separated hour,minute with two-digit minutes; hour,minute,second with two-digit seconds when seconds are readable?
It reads 3,14
